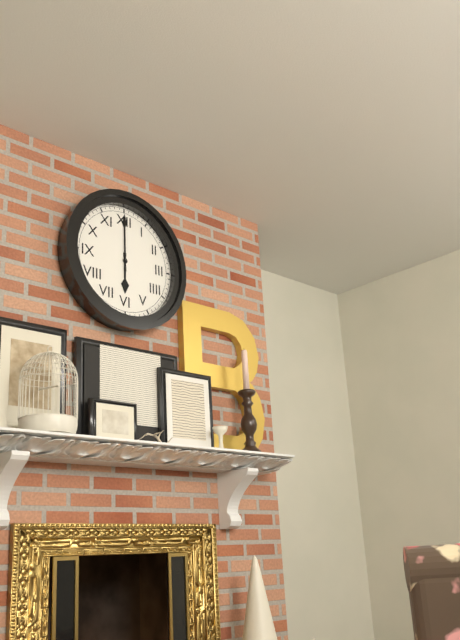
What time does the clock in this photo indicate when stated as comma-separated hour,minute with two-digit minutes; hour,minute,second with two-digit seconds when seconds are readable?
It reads 6,00
